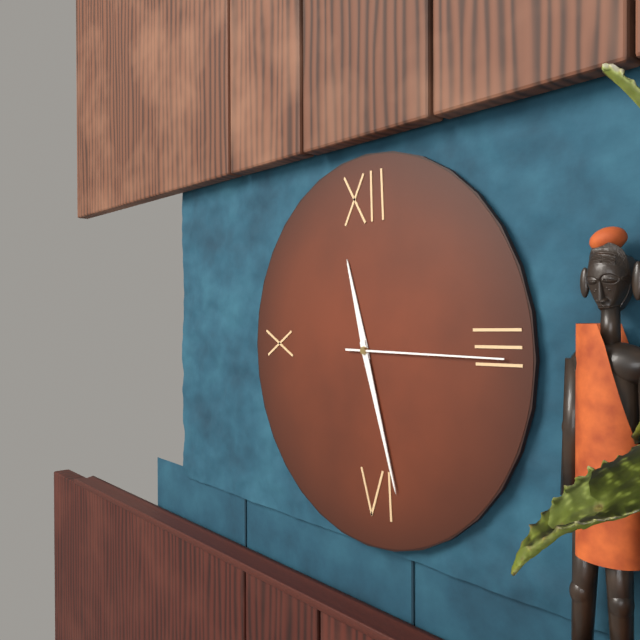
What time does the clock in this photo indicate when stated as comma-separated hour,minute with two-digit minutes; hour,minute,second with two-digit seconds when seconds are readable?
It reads 11,27,15
